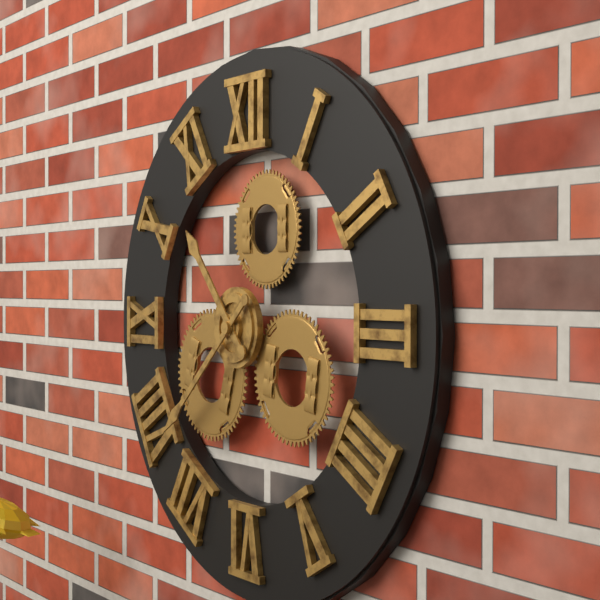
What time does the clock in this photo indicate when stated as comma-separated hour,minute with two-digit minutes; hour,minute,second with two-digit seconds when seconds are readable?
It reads 10,38
